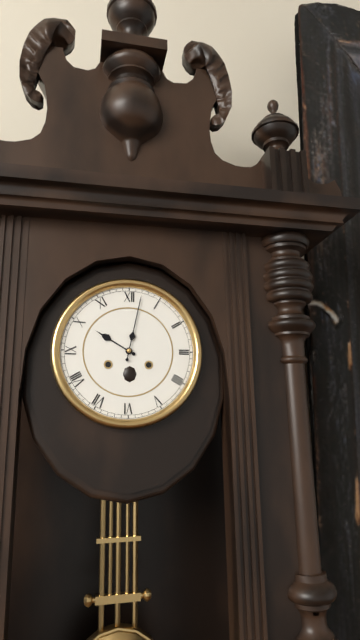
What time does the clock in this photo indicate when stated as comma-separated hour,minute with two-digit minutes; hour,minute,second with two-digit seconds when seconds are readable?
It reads 10,02
